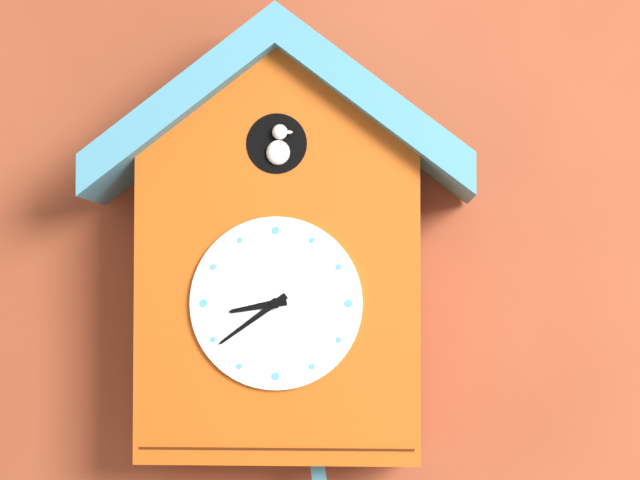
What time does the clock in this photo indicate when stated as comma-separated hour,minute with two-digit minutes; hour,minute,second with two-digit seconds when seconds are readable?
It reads 8,39
